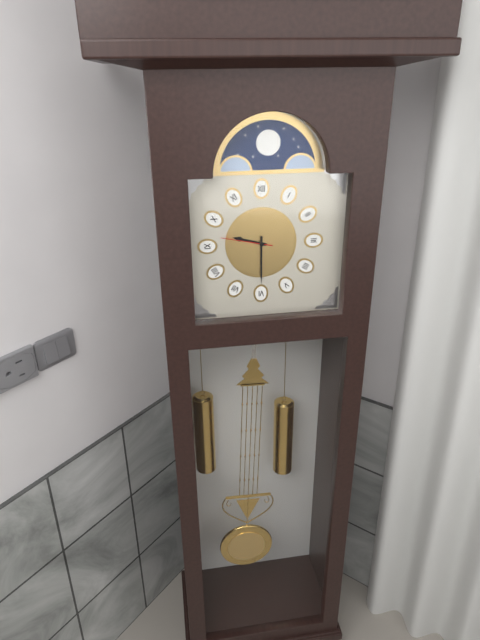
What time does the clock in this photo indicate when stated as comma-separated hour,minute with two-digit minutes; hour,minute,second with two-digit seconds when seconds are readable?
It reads 9,30,47
